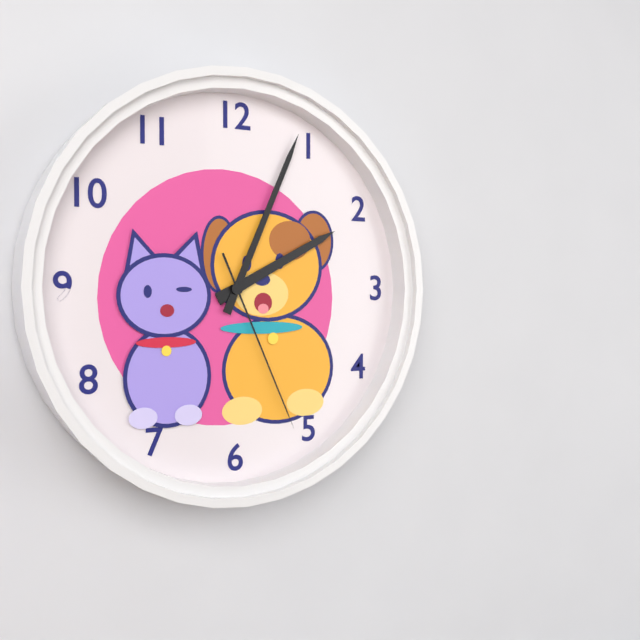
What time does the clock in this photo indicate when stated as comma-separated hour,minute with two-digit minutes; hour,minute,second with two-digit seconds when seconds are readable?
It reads 2,04,26
